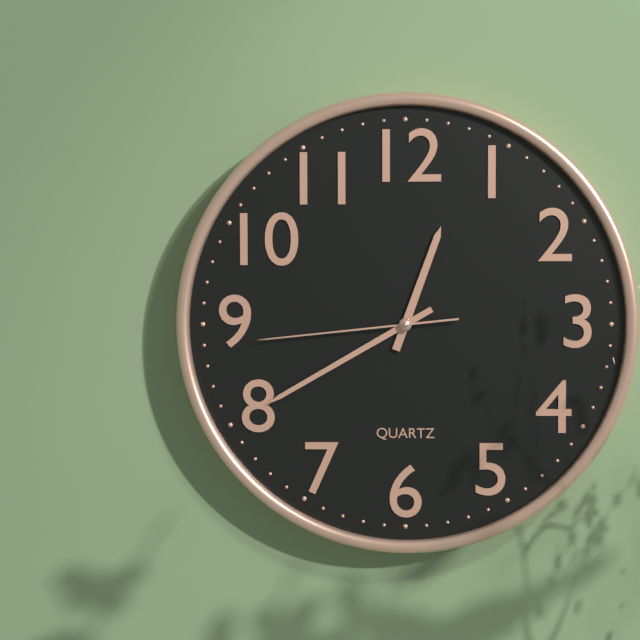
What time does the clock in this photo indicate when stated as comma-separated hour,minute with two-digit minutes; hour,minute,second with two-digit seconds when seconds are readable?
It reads 12,40,44
